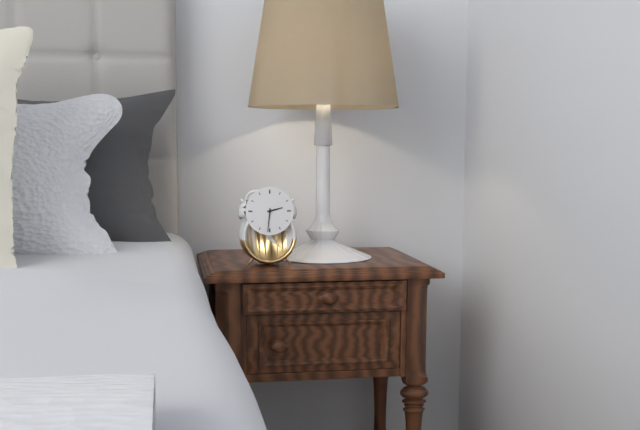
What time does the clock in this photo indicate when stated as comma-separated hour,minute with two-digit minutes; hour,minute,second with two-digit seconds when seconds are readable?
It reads 2,31
